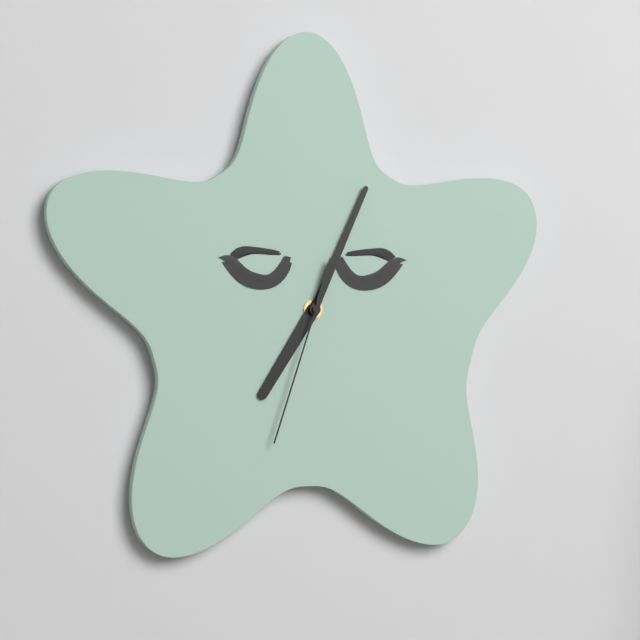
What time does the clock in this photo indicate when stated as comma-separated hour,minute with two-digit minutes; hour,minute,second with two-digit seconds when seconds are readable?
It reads 7,04,33
